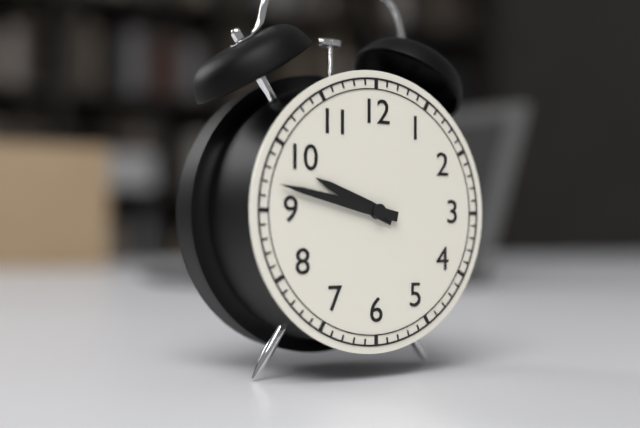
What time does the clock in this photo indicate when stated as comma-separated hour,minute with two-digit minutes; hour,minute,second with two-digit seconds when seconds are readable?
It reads 9,47
